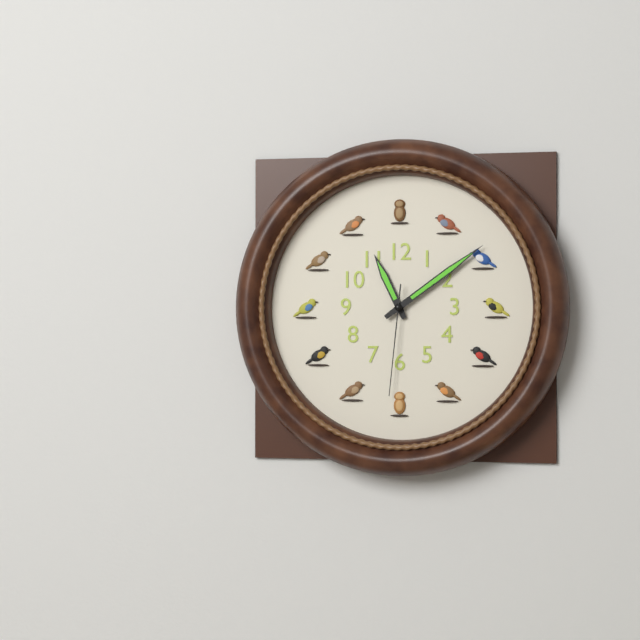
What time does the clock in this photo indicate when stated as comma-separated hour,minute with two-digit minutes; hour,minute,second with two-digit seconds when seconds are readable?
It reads 11,09,31
